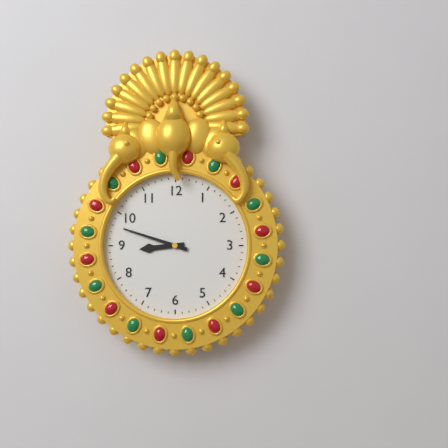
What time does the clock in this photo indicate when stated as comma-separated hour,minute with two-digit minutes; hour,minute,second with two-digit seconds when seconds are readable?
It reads 8,48
